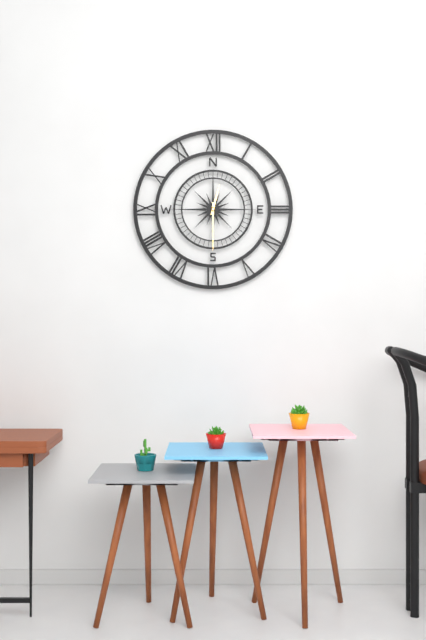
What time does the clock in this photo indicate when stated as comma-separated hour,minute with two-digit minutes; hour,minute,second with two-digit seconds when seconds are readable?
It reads 12,30
